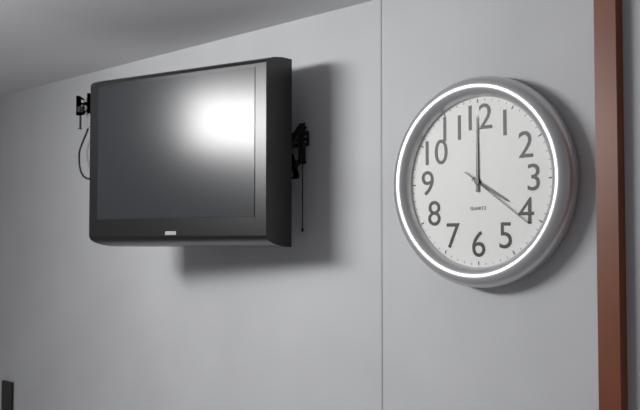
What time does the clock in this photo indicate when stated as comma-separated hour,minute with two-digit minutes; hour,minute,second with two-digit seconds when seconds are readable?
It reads 4,00,21
